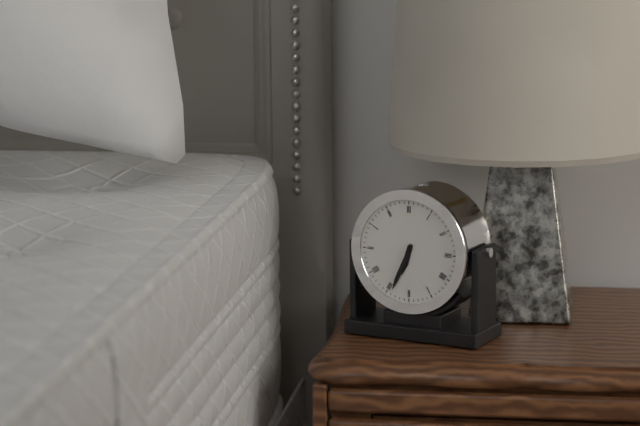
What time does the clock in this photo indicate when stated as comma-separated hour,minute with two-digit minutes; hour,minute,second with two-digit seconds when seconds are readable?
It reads 6,34
